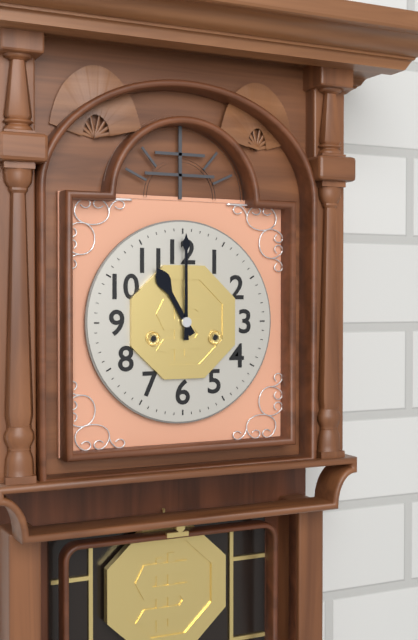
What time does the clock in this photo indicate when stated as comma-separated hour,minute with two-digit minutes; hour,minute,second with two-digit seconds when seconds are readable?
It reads 11,00
